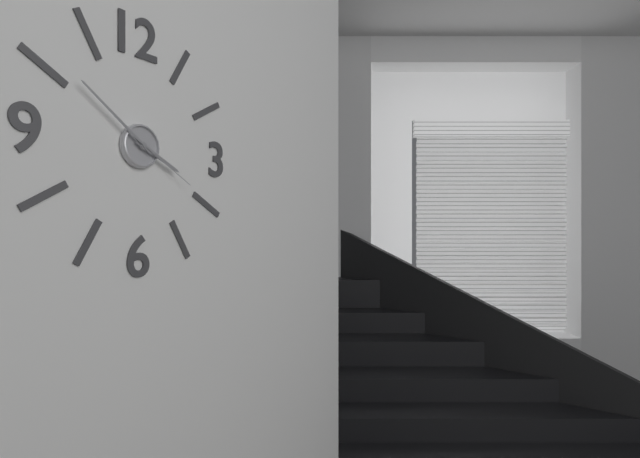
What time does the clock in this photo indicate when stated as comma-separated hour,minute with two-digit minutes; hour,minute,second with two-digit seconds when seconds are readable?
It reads 3,51,20
